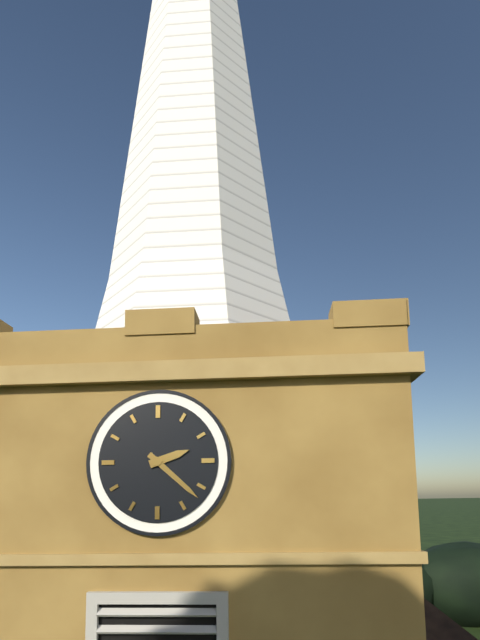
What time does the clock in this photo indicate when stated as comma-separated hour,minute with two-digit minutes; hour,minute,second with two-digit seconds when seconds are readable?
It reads 2,22
